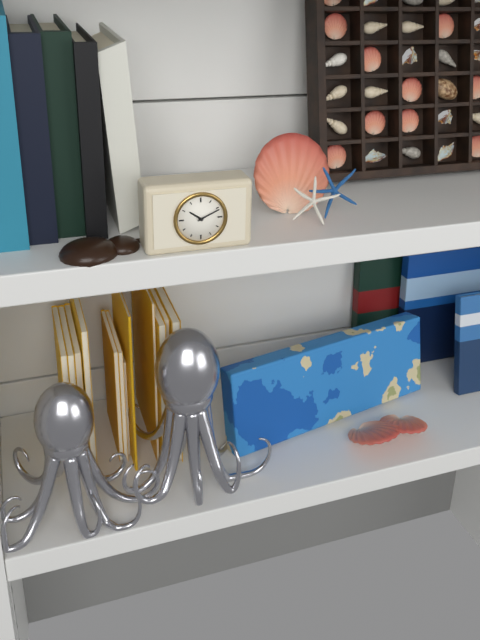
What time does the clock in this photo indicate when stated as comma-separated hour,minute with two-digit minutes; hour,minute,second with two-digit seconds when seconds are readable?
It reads 10,11
